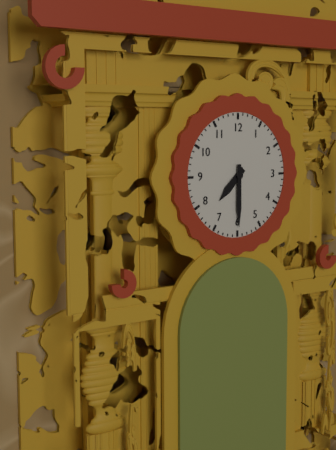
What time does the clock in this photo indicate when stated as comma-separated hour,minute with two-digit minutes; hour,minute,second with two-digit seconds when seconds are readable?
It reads 7,30
